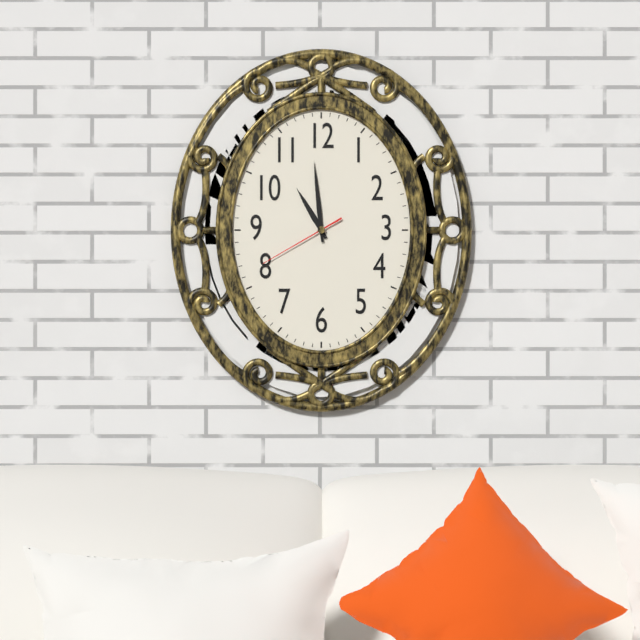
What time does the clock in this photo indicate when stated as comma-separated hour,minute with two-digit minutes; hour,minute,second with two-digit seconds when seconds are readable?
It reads 10,59,40
